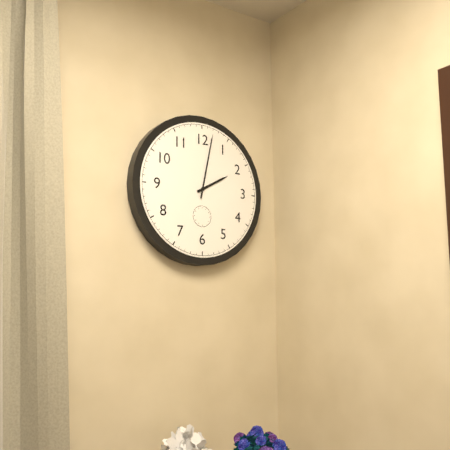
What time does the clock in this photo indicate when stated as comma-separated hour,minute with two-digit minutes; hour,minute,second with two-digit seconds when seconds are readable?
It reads 2,02
